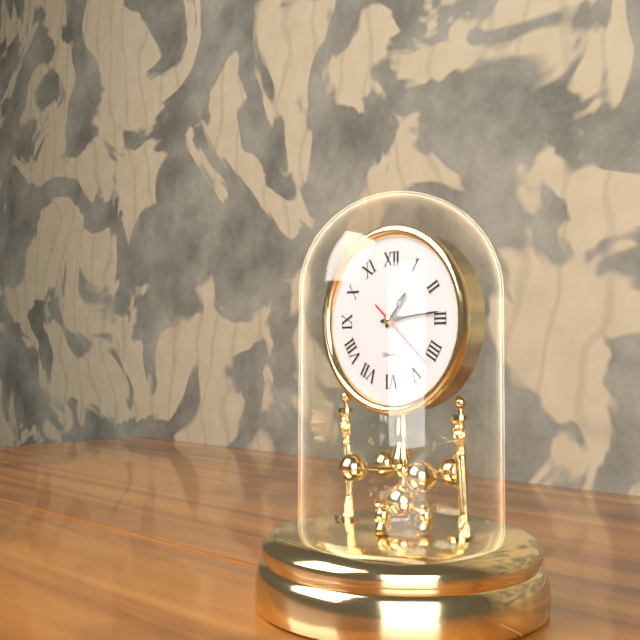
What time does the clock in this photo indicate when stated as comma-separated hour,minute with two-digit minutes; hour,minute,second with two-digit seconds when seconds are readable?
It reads 1,14,22
